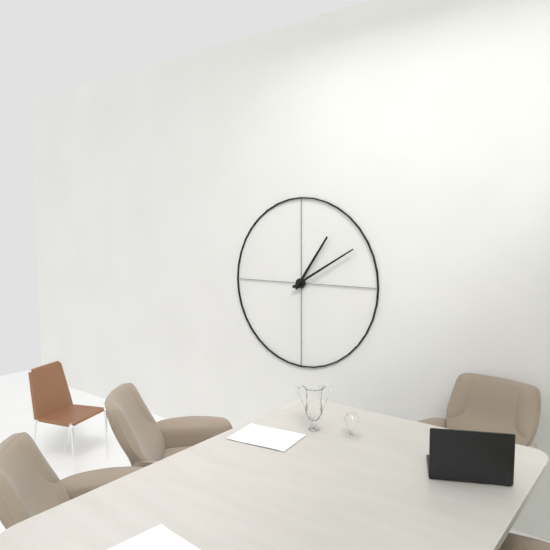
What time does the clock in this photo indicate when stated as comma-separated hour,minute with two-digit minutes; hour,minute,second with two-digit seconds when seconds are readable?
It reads 1,10
